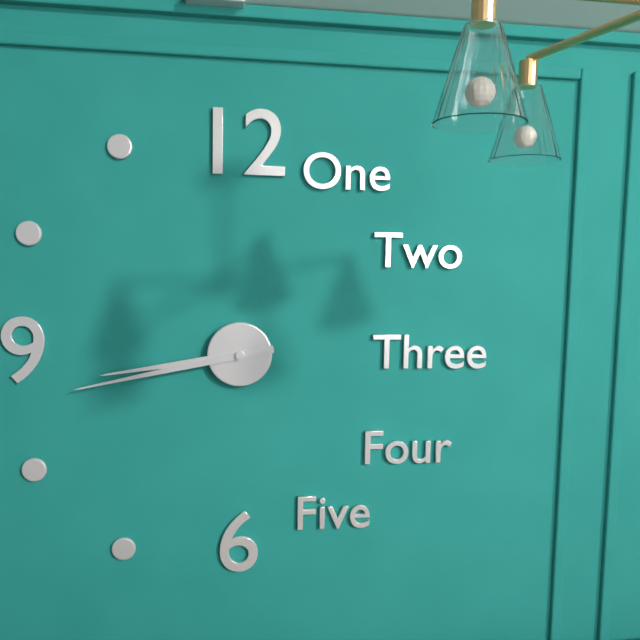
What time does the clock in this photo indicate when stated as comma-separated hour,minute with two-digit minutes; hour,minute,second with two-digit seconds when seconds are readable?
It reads 8,43
